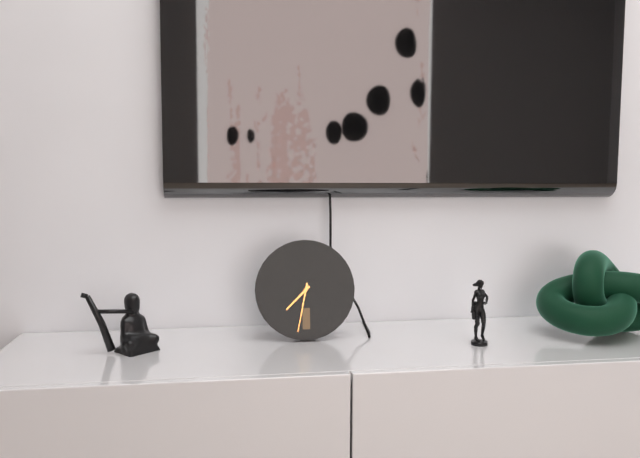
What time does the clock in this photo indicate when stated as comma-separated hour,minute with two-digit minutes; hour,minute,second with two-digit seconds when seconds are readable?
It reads 7,32
